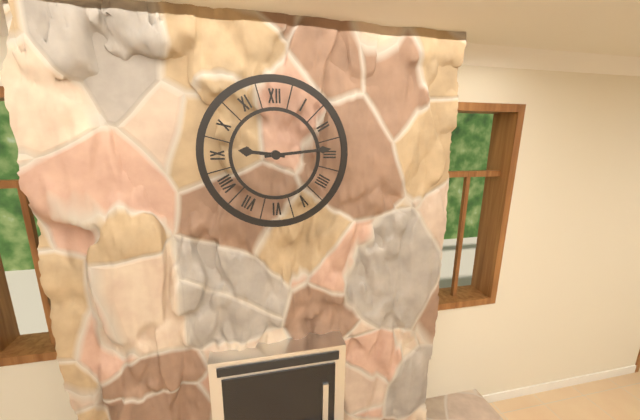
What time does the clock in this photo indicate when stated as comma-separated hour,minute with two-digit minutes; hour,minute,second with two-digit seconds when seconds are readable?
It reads 9,14
